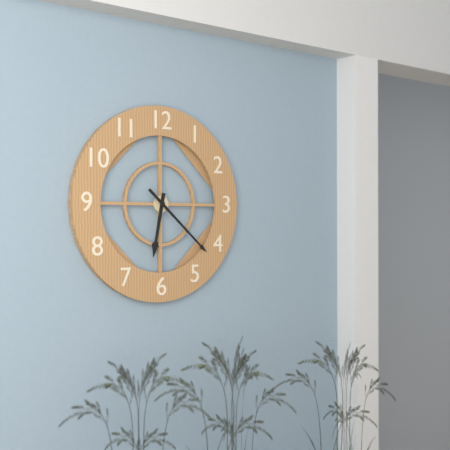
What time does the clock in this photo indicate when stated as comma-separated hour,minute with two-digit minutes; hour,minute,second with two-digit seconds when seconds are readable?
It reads 6,22
